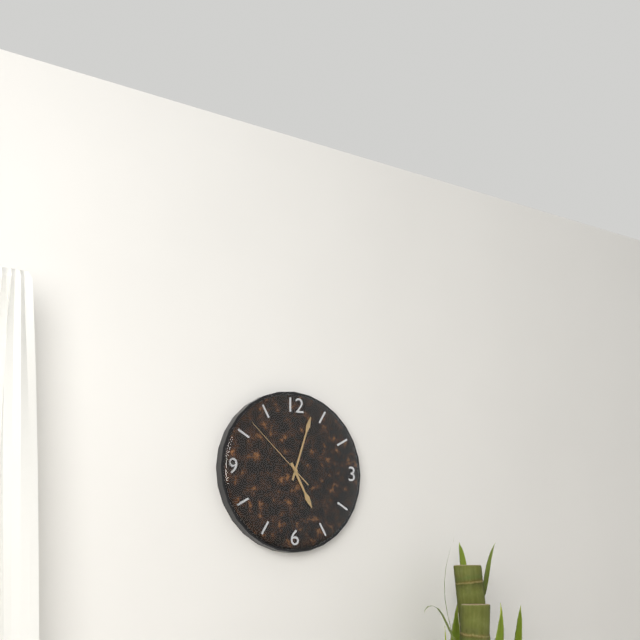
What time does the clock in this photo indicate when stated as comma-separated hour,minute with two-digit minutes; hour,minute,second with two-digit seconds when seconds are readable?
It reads 5,03,52
